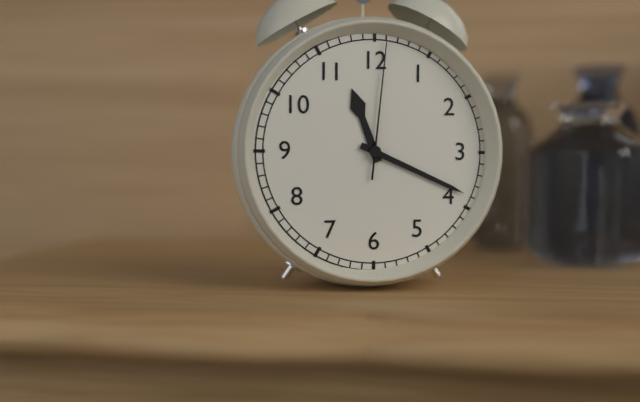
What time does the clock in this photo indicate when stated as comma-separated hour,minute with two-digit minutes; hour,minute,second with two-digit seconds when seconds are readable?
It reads 11,19,01
